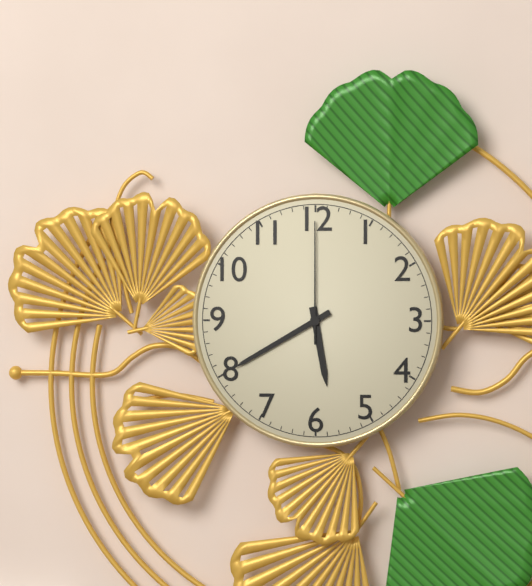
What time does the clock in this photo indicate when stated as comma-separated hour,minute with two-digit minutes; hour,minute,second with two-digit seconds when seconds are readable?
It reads 5,40,00
